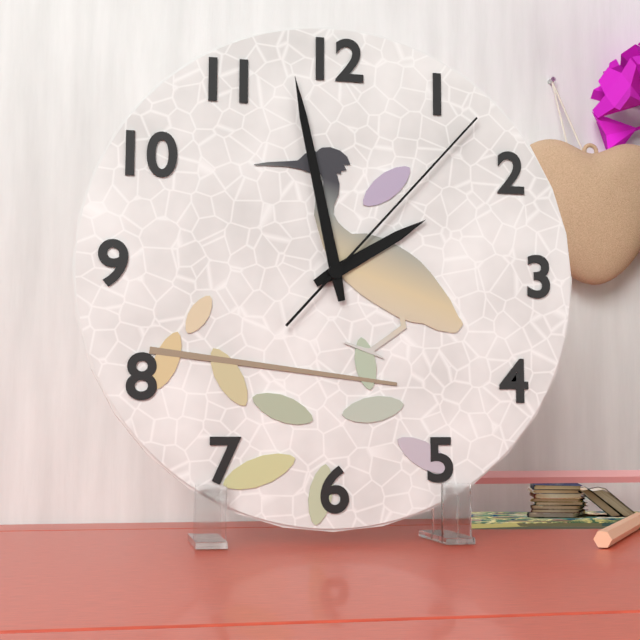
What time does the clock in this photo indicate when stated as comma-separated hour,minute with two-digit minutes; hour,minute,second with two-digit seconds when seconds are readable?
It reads 1,58,07
